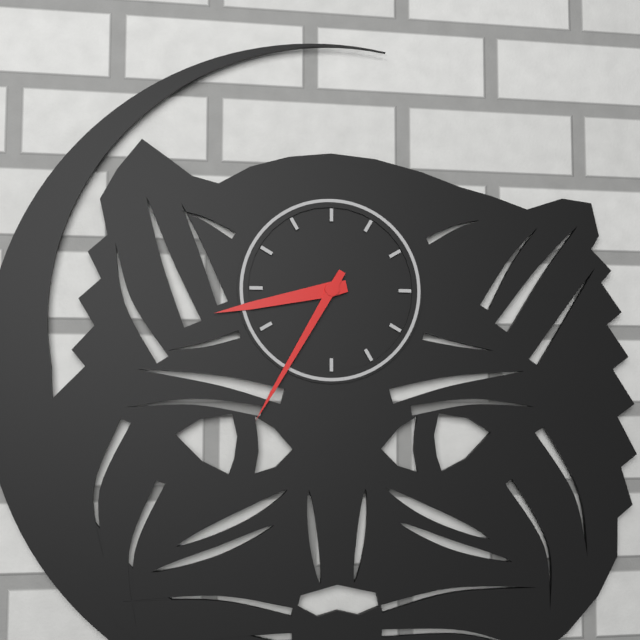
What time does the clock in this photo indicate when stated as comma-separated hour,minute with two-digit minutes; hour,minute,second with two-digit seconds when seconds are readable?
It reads 8,35
